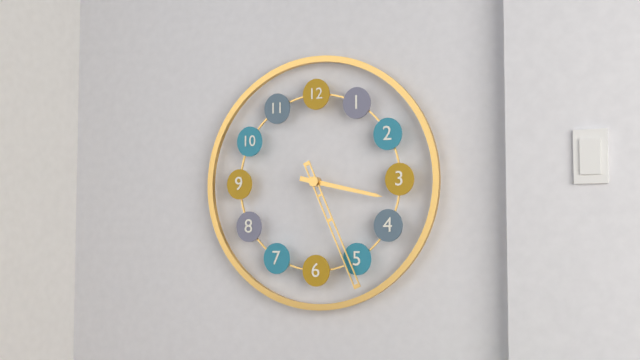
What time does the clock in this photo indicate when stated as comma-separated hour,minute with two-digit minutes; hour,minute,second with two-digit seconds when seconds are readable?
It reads 3,26
